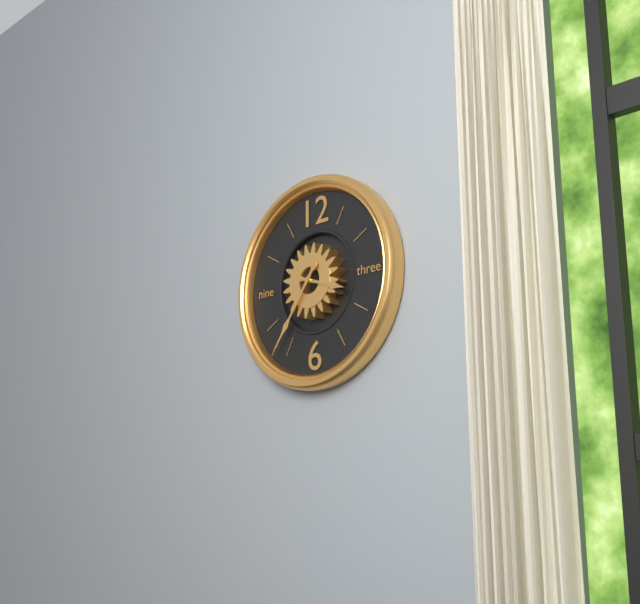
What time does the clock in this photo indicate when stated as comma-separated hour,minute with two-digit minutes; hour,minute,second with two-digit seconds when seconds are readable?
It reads 3,36
